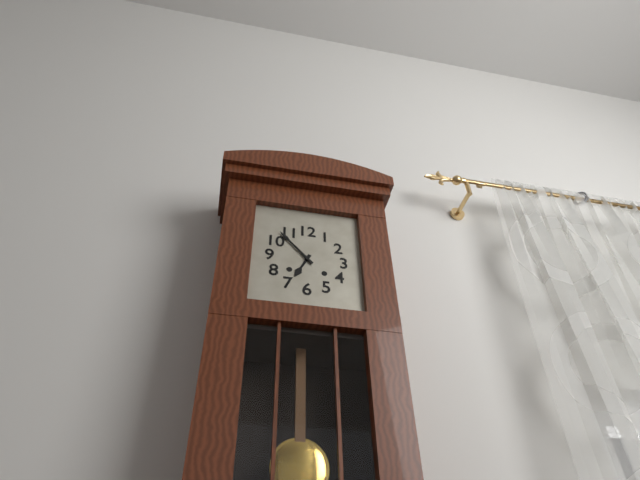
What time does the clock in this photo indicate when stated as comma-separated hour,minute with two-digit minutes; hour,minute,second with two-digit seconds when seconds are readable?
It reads 6,53
